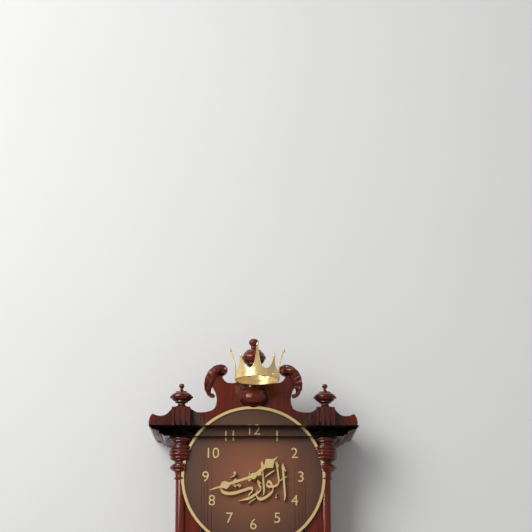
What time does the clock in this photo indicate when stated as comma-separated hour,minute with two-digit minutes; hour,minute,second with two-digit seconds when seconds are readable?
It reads 1,42
